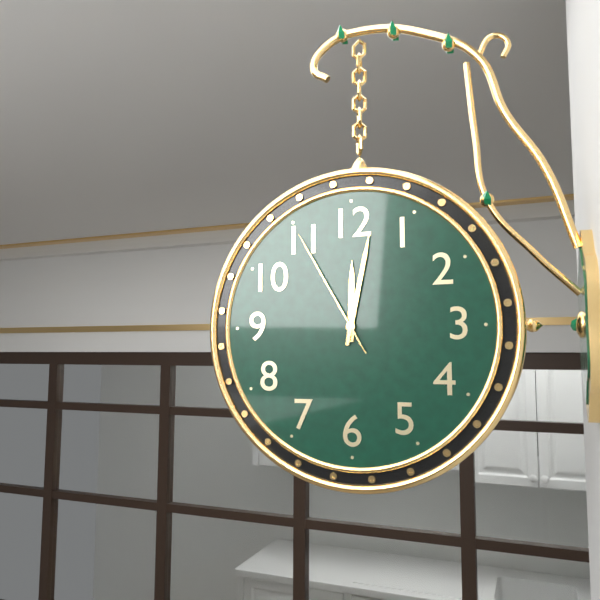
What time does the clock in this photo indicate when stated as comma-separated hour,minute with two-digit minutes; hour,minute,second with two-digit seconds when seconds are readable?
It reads 12,02,55
